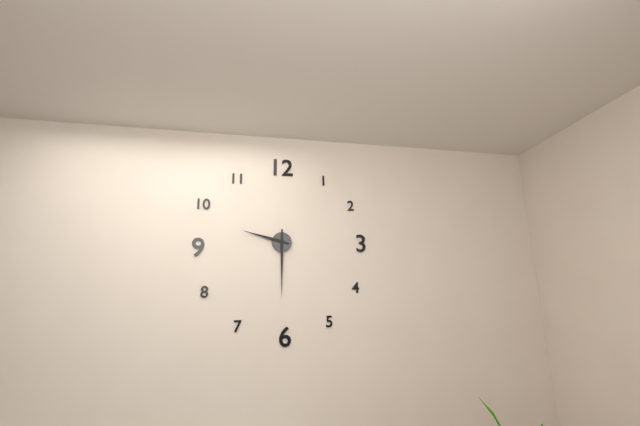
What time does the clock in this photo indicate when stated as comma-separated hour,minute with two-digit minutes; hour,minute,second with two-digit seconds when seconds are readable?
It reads 9,30
